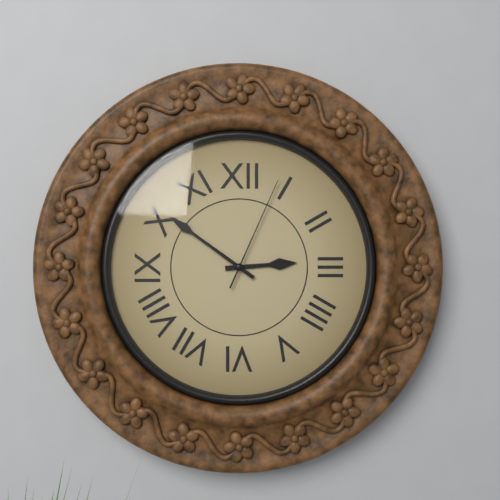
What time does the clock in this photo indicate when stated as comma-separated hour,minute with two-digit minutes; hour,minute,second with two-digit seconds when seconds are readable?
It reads 2,51,04
